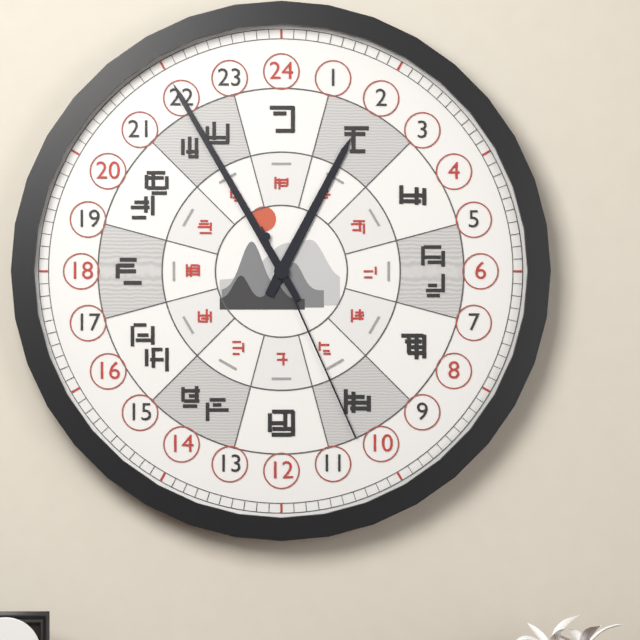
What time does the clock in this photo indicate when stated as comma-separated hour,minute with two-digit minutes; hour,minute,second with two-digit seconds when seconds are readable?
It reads 12,55,26
